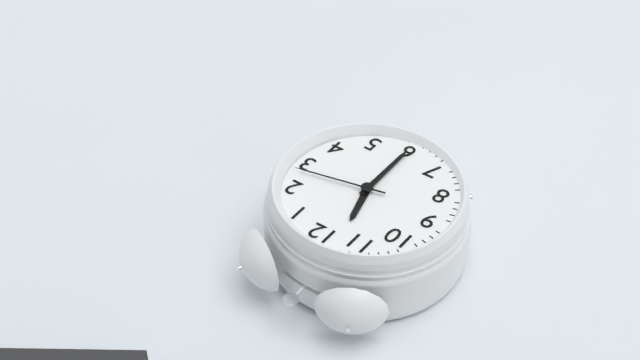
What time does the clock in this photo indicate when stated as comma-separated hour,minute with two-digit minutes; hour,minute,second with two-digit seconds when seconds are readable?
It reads 11,30,13
